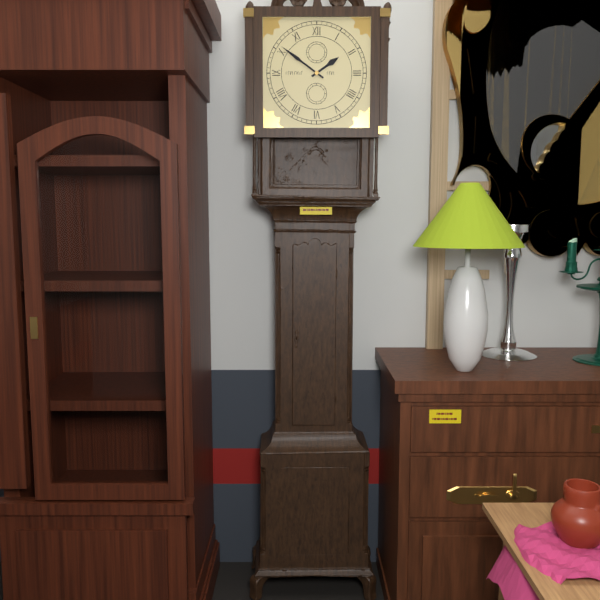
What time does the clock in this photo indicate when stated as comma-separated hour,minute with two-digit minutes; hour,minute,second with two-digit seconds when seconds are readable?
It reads 1,51
